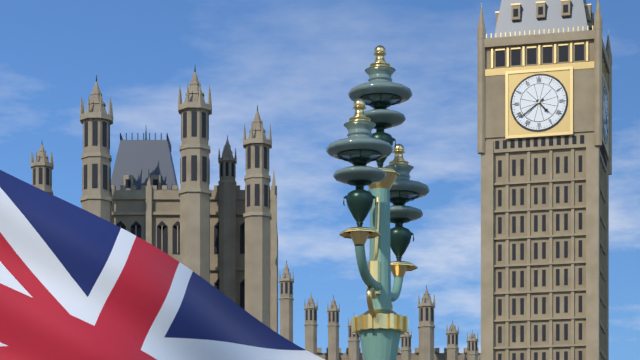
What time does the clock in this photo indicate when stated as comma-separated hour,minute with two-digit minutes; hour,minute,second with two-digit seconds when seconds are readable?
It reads 4,39
